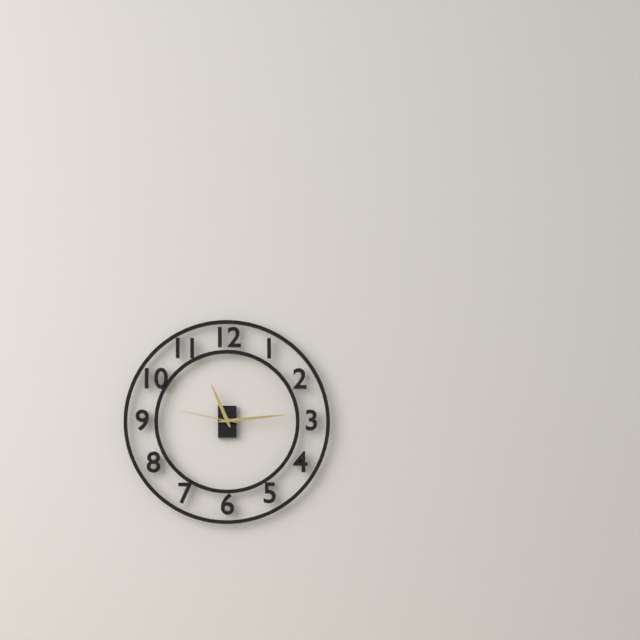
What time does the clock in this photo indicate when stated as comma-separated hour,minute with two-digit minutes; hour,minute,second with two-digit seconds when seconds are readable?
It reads 11,14,47
